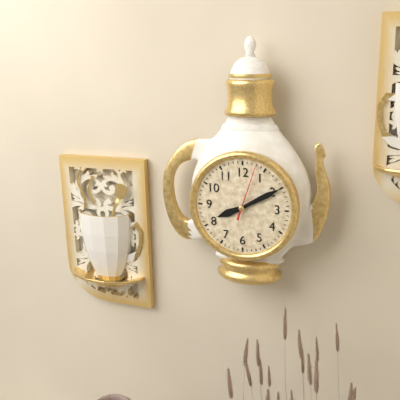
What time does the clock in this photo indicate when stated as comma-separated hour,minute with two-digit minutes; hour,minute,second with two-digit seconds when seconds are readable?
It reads 8,10,03
